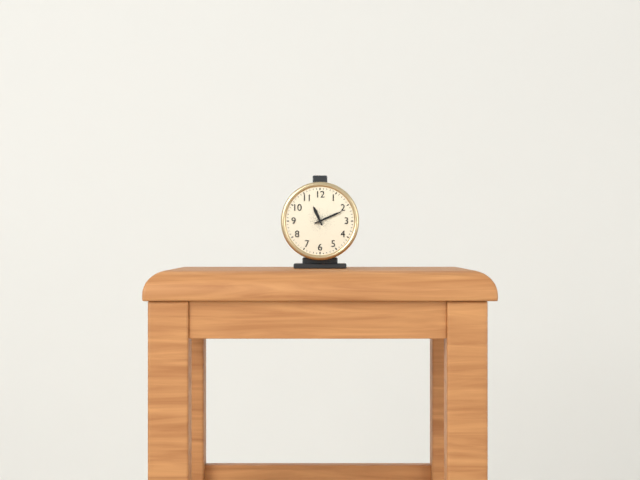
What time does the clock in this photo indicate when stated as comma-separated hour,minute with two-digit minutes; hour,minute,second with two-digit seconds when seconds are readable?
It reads 11,11
